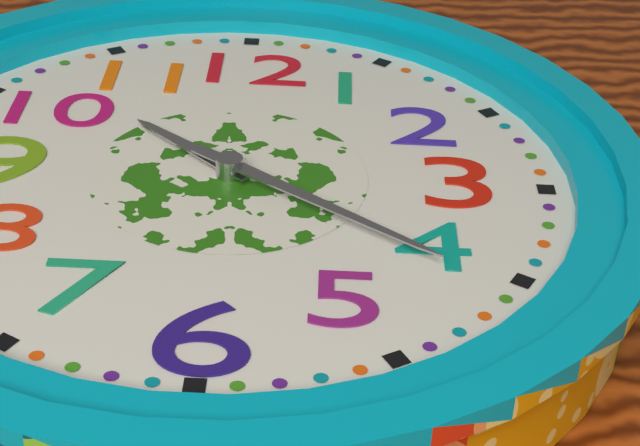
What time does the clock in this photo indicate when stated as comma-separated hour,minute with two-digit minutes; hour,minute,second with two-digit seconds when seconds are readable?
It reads 10,21
